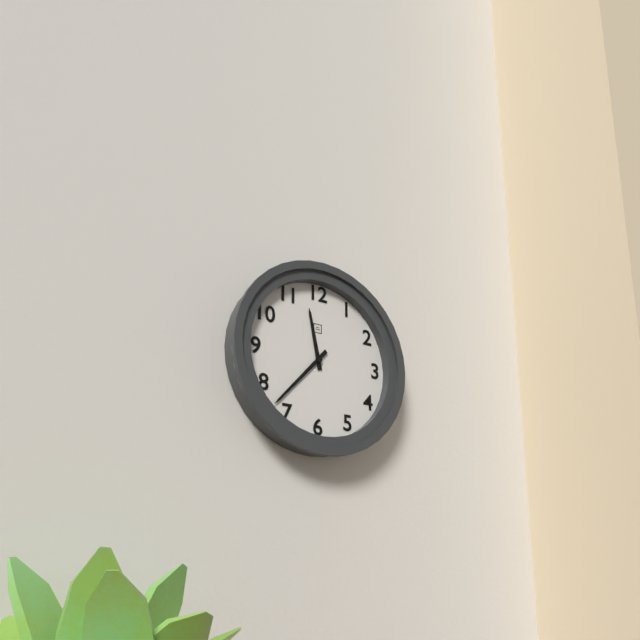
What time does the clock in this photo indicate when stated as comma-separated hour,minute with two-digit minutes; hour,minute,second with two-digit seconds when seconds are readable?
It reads 11,37
